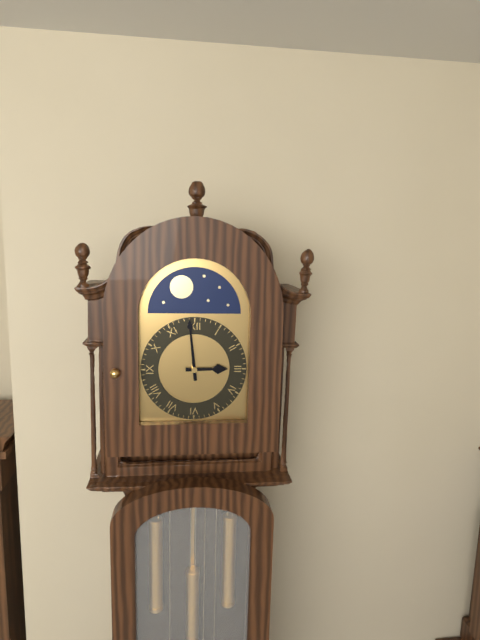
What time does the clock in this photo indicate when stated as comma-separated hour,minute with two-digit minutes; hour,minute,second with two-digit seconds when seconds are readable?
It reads 2,59
